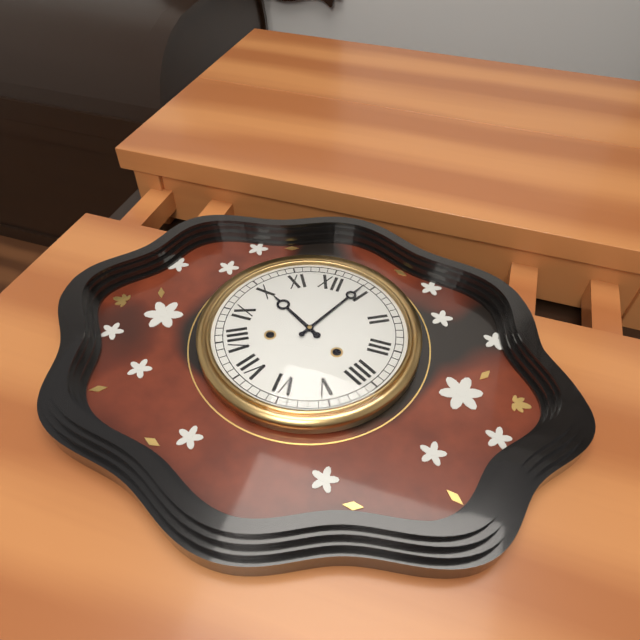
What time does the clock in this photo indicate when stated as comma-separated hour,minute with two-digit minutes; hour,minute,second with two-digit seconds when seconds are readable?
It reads 10,04
